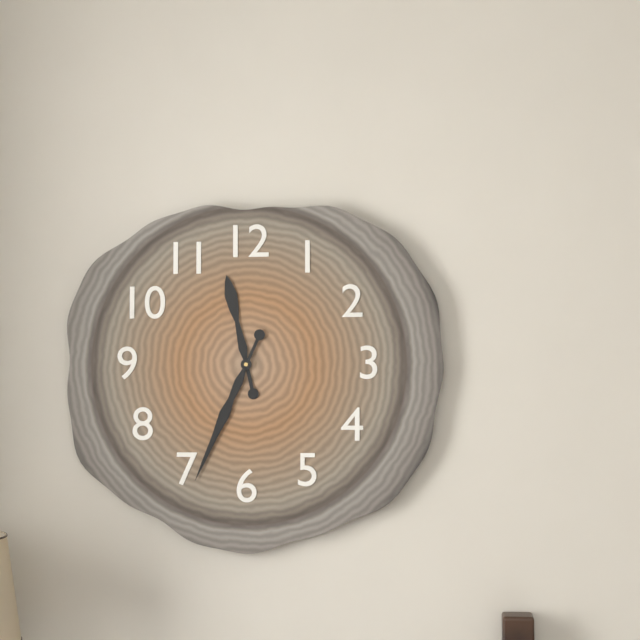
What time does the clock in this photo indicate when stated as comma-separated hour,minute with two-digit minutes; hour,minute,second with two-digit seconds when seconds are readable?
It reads 11,34
